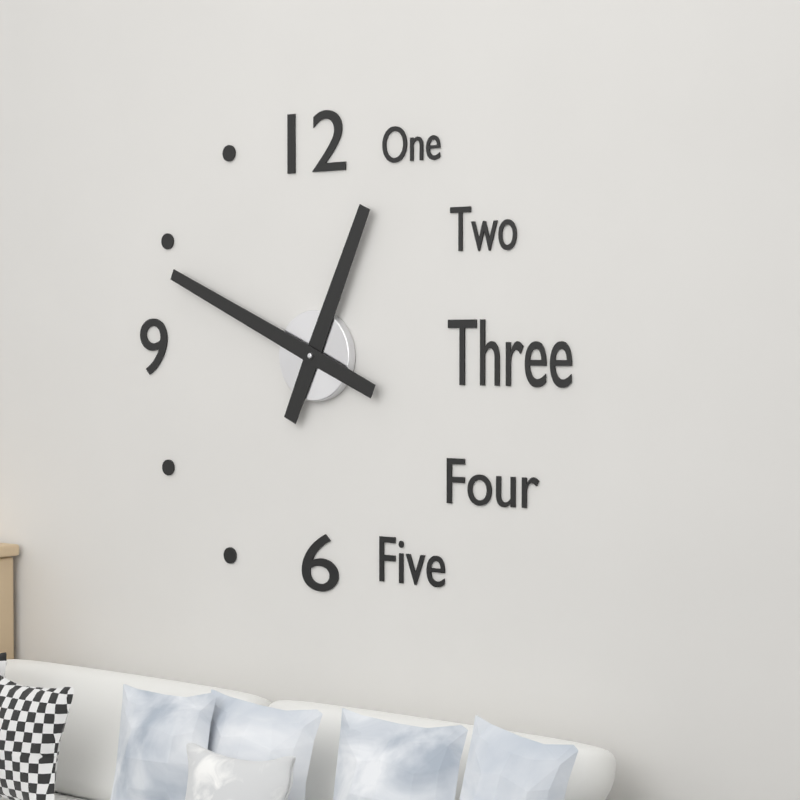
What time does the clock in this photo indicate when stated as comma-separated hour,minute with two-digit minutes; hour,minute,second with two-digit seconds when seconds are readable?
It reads 12,49
